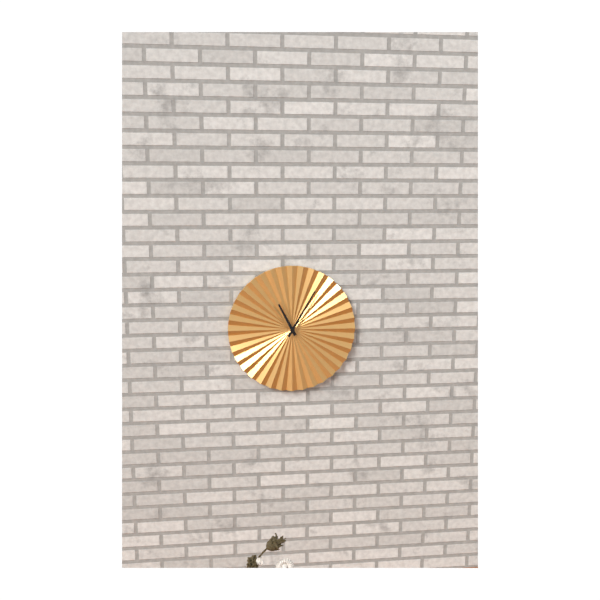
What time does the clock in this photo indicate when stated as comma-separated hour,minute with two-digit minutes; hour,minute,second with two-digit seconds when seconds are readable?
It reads 11,05
